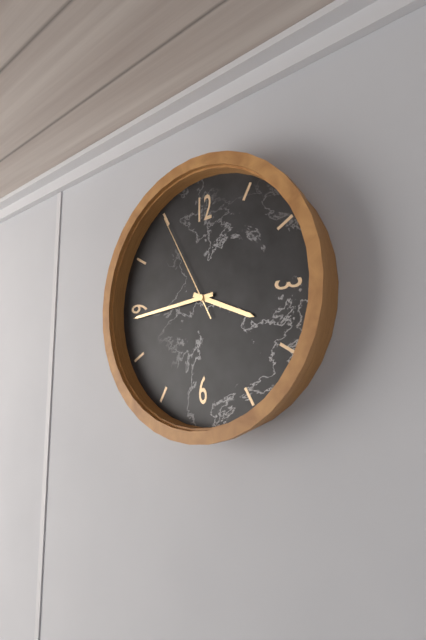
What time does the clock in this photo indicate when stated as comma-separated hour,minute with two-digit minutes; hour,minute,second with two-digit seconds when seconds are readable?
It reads 3,44,55
